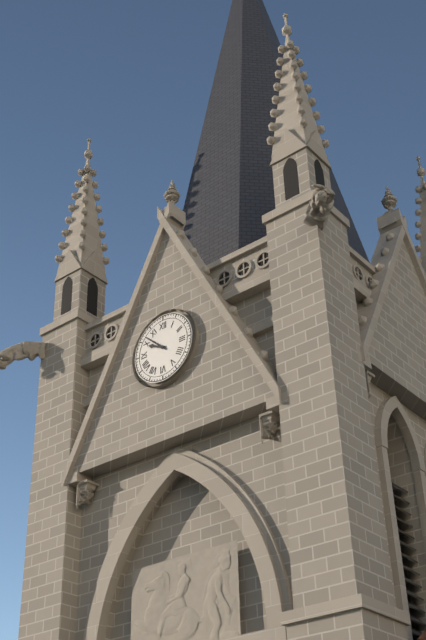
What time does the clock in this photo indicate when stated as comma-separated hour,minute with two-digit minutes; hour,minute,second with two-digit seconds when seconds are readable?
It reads 9,52
